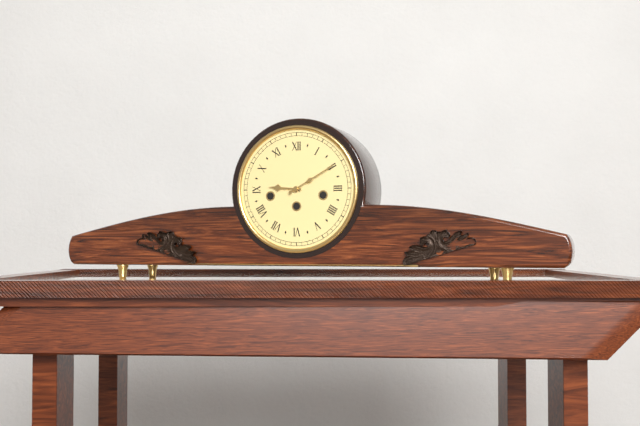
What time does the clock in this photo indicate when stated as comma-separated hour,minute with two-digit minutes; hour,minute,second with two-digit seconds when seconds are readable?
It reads 9,10
